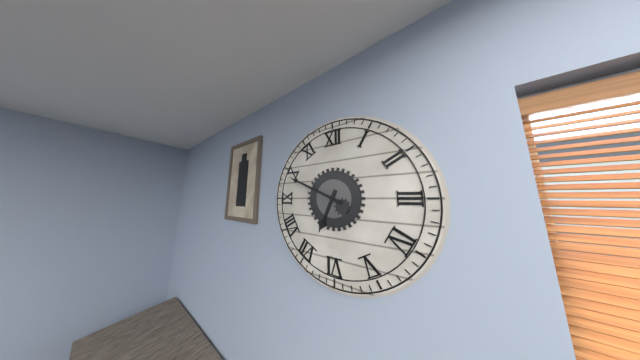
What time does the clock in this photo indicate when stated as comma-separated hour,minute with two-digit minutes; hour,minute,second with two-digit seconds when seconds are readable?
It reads 6,49
